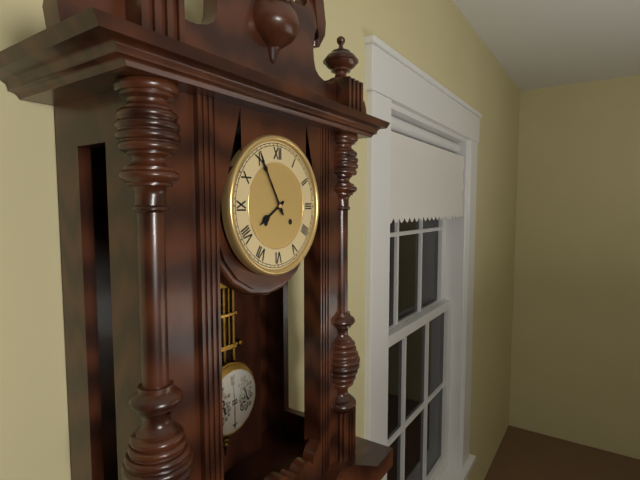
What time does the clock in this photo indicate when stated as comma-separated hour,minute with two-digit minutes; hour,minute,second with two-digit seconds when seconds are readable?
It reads 7,55
